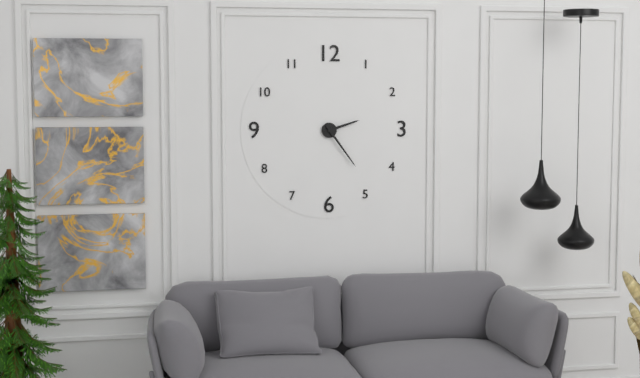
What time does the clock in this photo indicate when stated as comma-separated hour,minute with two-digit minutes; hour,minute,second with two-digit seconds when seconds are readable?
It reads 2,24
